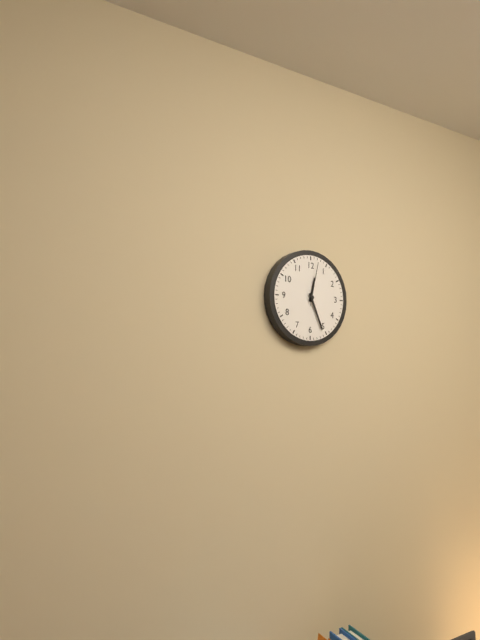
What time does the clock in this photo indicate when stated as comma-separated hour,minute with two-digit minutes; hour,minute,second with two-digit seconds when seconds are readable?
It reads 12,26
